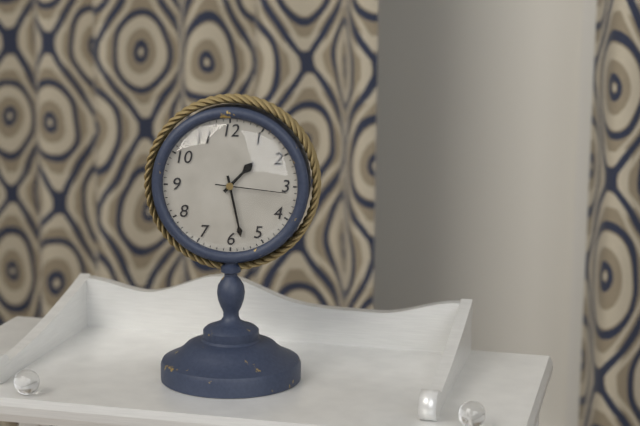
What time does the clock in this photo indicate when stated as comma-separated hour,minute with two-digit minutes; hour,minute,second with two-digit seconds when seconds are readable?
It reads 1,28,16
